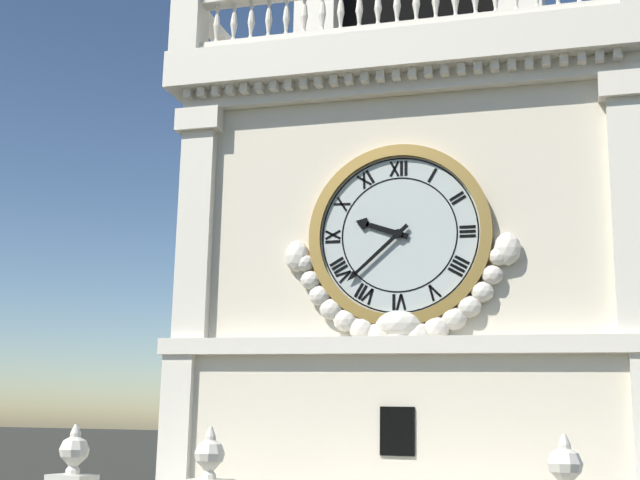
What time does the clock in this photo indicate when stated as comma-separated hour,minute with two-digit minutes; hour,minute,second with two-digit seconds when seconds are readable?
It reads 9,38
